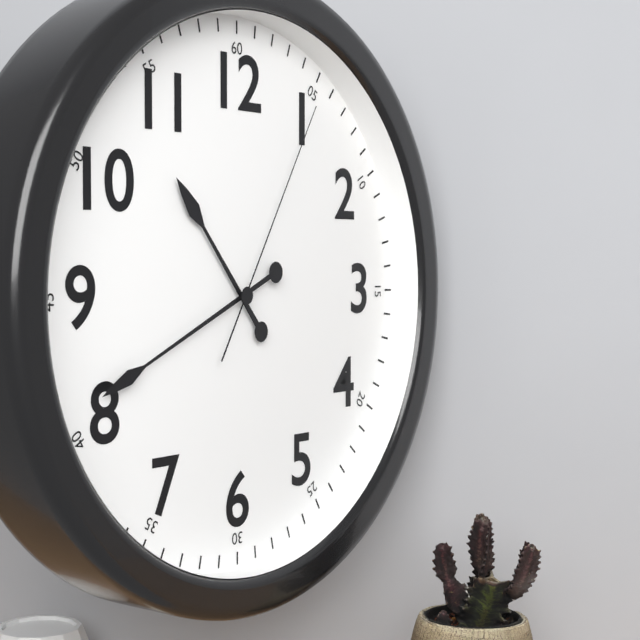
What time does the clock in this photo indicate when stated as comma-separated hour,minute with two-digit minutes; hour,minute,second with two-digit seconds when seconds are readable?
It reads 10,41,05
